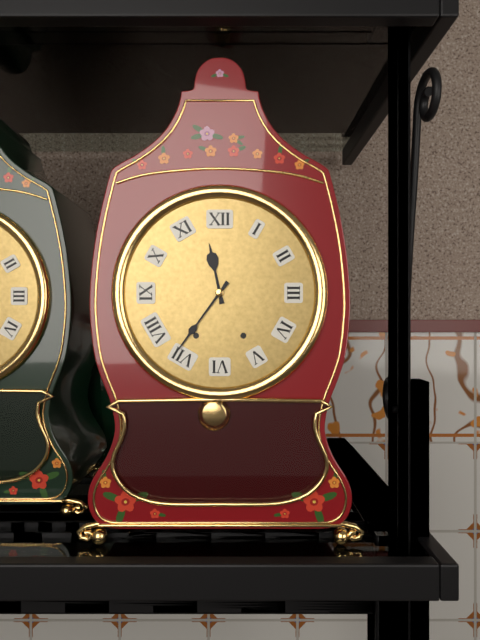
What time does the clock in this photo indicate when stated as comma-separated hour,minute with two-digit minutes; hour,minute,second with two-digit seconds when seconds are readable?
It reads 11,36
